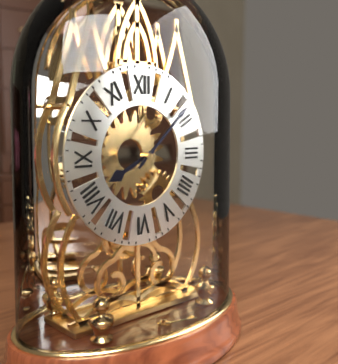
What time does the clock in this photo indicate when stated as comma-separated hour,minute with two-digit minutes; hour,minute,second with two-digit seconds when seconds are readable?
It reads 8,08
